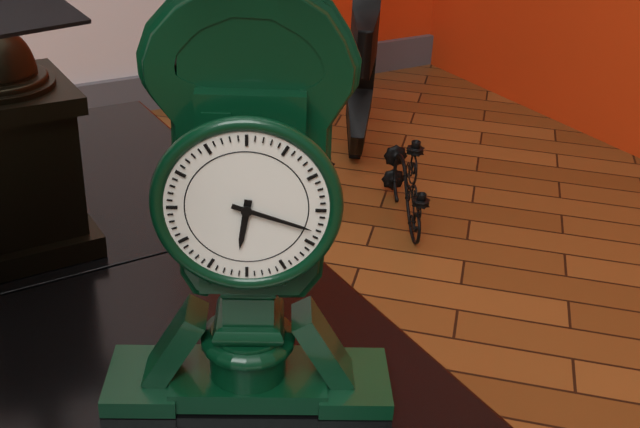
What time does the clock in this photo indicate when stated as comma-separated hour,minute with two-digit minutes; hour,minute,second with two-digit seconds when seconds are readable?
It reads 6,18
